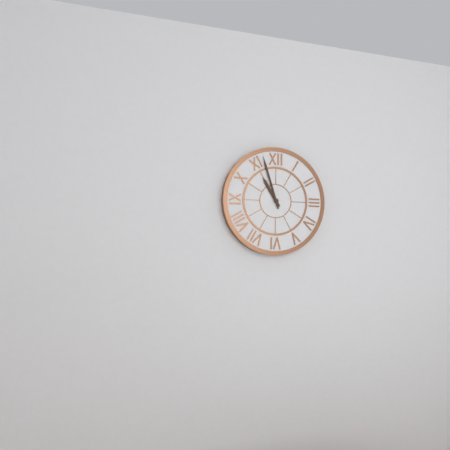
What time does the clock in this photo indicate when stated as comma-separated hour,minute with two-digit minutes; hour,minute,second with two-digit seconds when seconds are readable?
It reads 10,57
